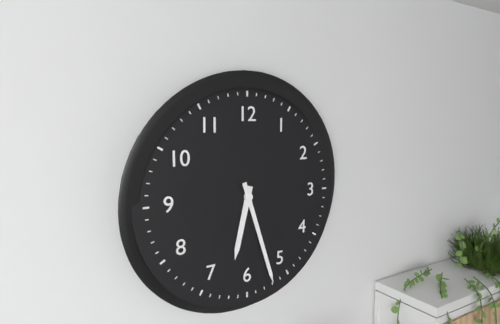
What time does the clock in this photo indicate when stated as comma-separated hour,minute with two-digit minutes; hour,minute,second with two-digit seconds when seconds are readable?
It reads 6,27
